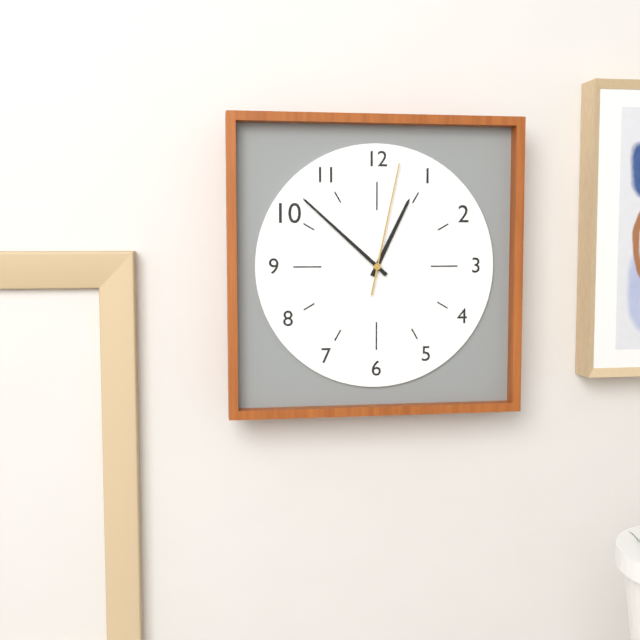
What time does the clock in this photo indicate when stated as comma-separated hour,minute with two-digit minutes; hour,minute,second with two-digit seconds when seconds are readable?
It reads 12,52,02
